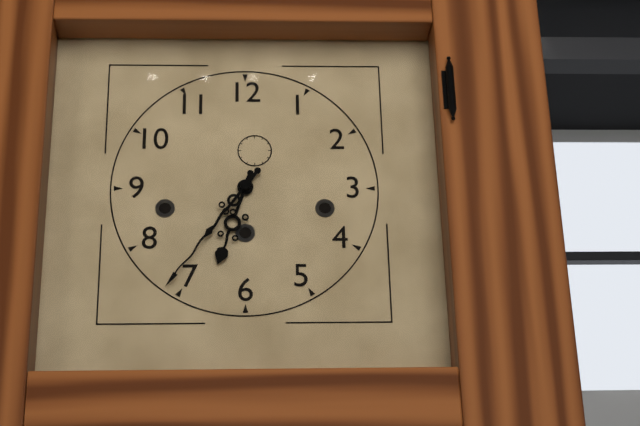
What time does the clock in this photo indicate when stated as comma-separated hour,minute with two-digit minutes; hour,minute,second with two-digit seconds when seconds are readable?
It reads 6,36
